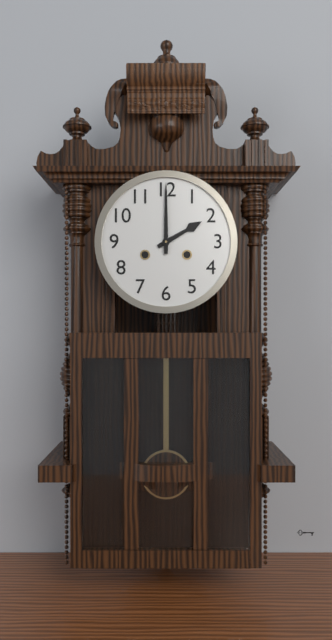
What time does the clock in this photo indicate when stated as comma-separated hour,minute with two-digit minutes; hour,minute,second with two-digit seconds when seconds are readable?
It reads 2,00
